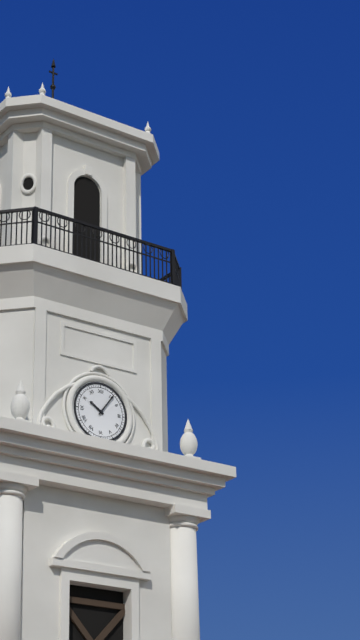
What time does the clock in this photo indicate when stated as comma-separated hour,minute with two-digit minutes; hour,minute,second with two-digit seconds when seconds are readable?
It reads 10,06
